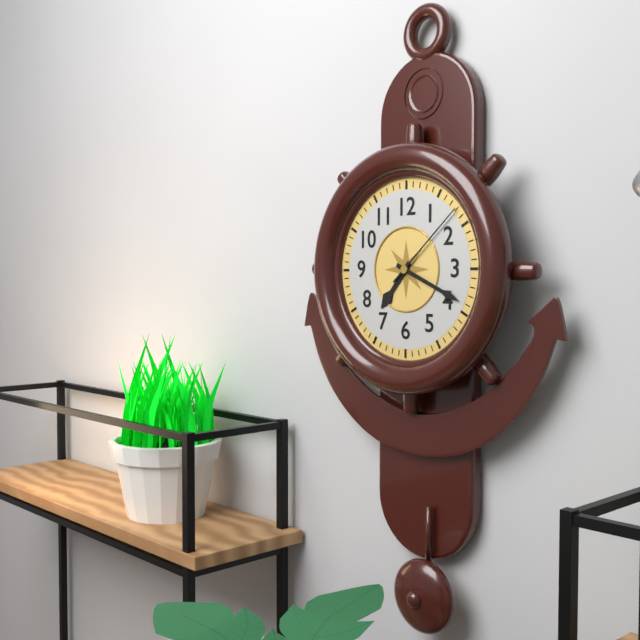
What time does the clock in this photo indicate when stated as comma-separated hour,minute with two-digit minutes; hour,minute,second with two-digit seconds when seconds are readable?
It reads 7,19,08
